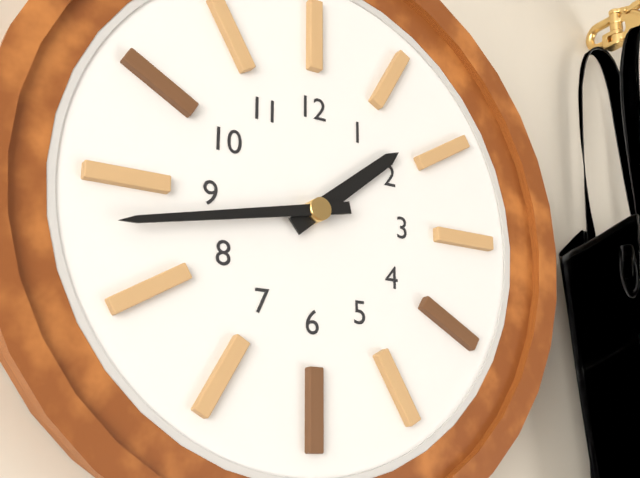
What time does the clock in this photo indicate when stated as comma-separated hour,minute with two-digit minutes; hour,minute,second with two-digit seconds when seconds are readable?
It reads 1,43
